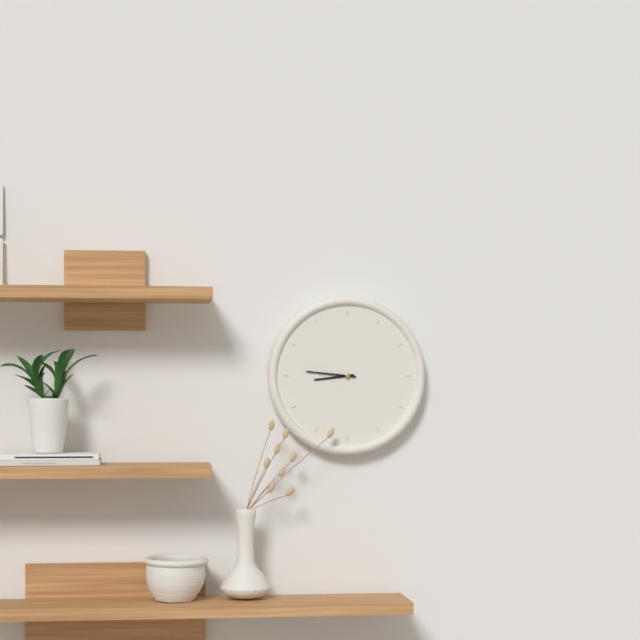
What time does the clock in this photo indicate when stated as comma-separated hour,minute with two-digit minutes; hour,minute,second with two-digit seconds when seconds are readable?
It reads 8,46
